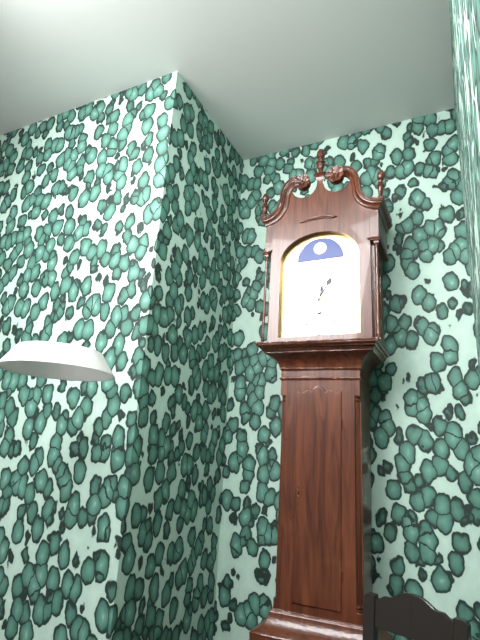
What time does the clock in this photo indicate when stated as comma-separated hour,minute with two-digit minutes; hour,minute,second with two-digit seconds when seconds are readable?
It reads 1,02
